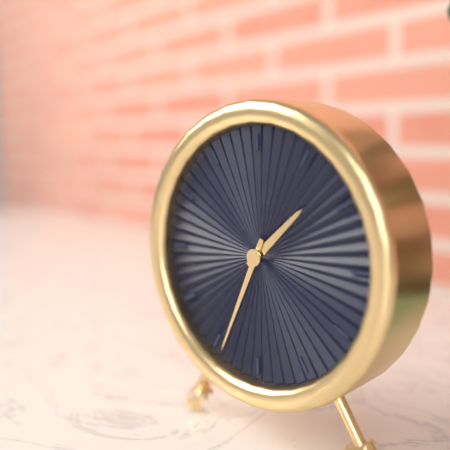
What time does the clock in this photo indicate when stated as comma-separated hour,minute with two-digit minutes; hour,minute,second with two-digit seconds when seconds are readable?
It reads 1,34
